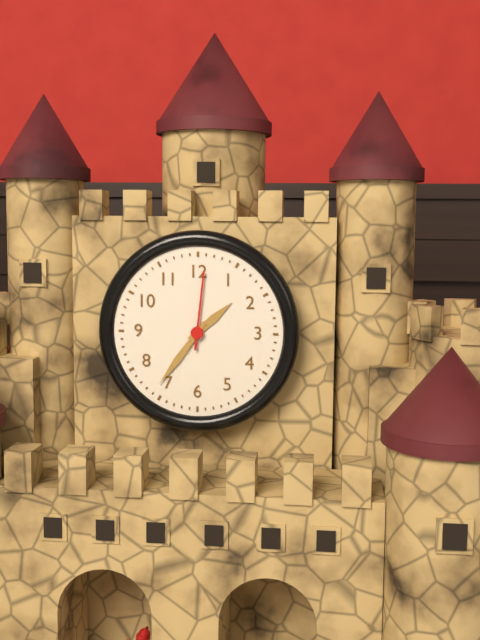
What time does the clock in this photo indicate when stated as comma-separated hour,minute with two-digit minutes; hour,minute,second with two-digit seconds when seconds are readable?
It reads 1,36,01
